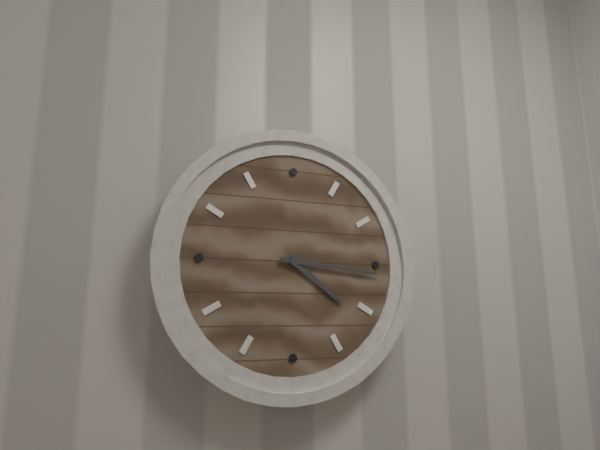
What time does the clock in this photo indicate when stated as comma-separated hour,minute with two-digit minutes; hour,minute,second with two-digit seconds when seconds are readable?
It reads 4,16
